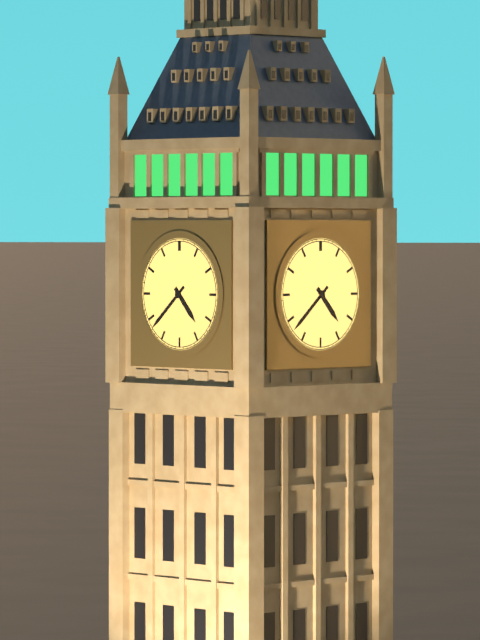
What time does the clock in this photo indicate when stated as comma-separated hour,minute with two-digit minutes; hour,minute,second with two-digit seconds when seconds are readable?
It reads 4,38
